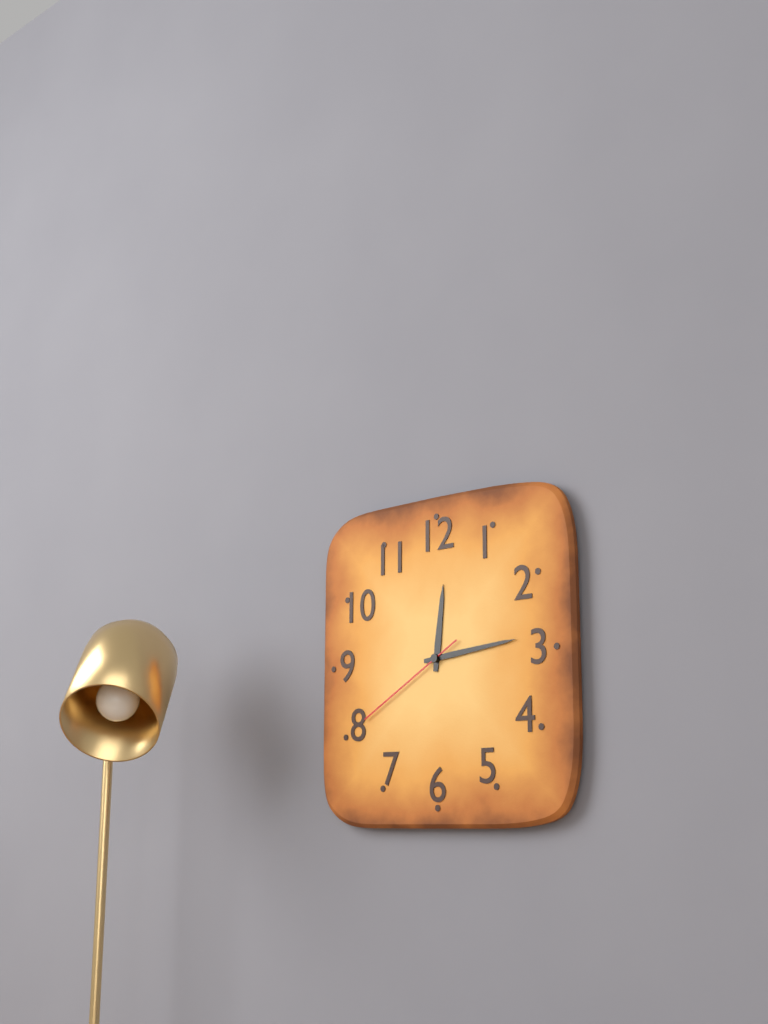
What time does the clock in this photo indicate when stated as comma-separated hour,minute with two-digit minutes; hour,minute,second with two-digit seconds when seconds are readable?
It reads 12,14,40
